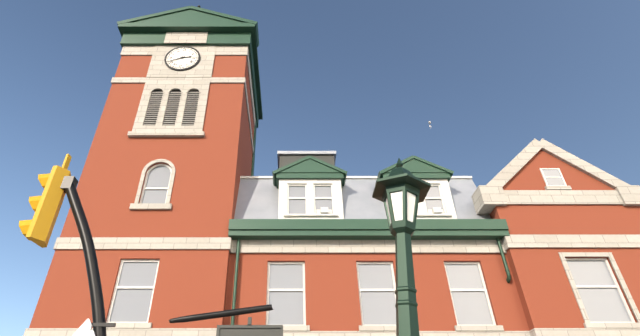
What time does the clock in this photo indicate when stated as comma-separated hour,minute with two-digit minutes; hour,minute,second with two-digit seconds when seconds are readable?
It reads 2,41
